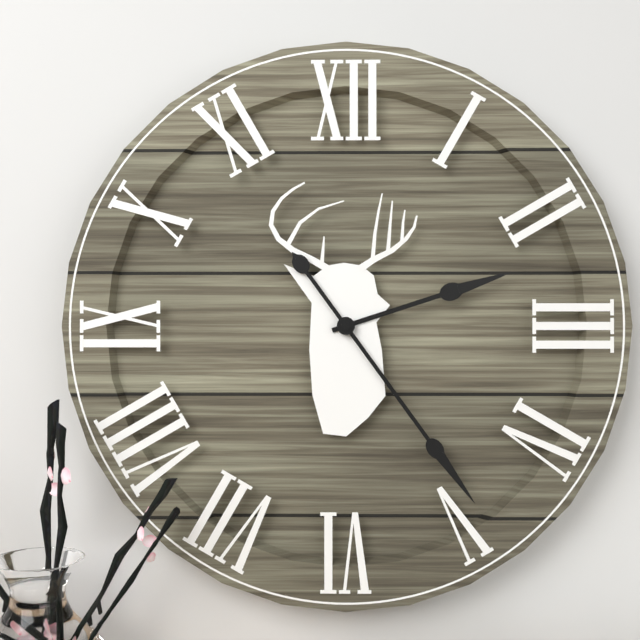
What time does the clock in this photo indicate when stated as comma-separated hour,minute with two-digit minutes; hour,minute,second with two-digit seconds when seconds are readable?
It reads 2,24
